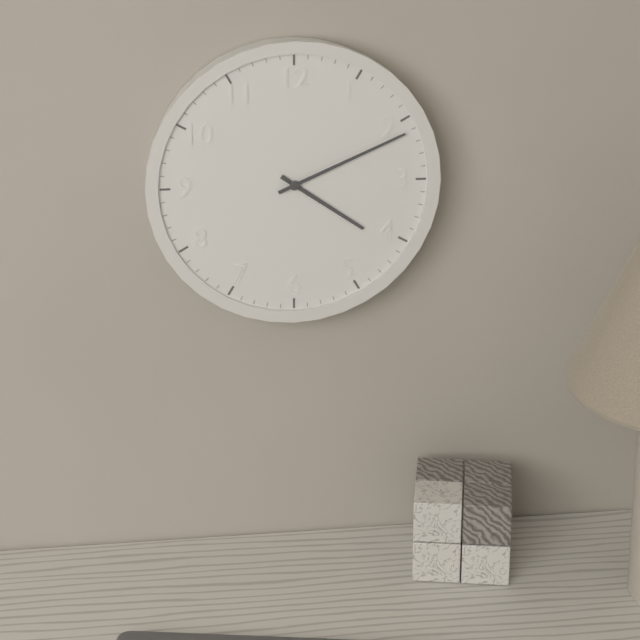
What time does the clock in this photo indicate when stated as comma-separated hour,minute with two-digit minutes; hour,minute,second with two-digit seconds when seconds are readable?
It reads 4,11
